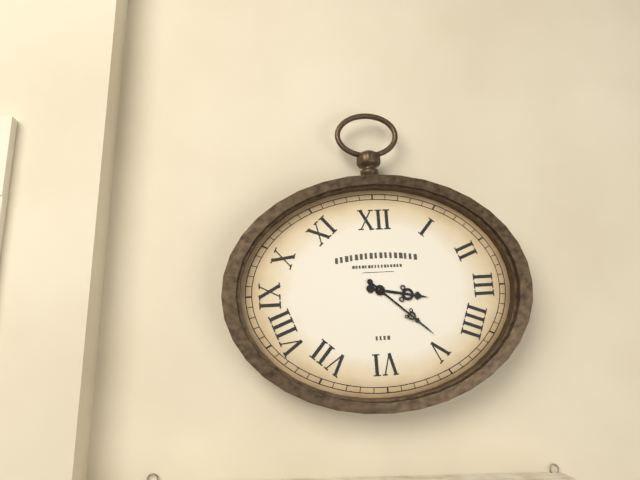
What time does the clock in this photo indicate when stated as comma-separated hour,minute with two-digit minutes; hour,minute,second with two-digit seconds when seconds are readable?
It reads 3,22
